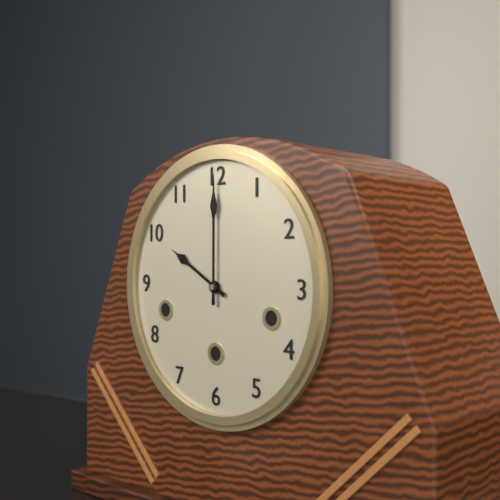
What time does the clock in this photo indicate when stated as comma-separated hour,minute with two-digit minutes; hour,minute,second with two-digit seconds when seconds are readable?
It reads 10,00
